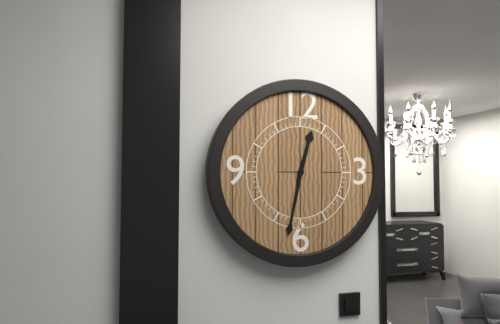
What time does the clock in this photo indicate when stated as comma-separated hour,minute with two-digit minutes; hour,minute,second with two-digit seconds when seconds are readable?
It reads 12,32
